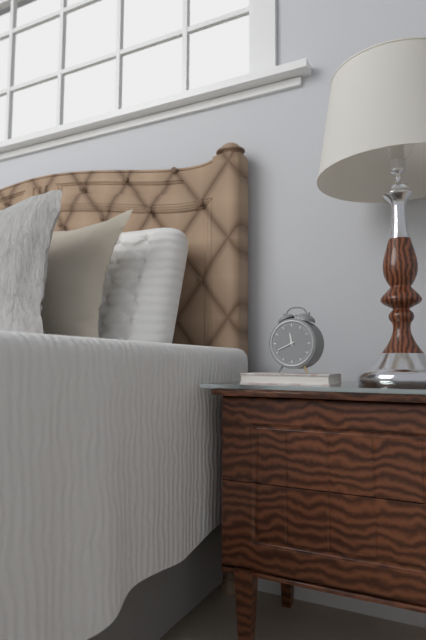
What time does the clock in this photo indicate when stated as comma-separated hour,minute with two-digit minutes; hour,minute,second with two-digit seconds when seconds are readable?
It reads 11,41
